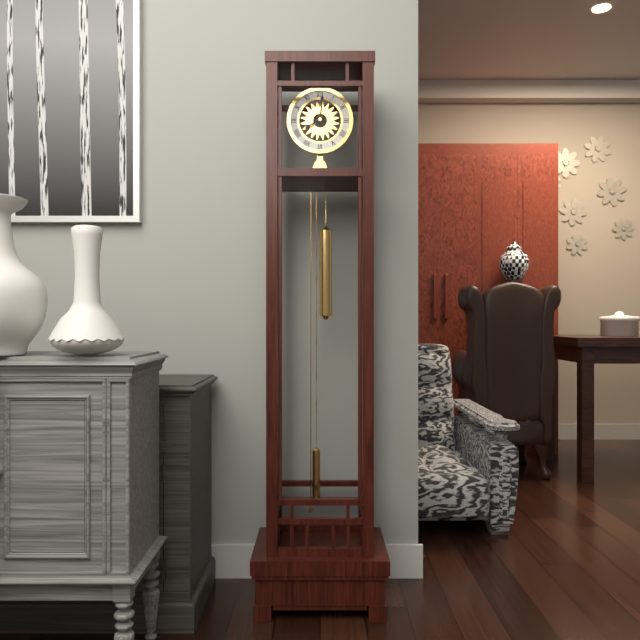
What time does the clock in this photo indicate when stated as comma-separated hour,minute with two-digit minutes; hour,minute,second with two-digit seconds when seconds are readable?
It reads 8,01
